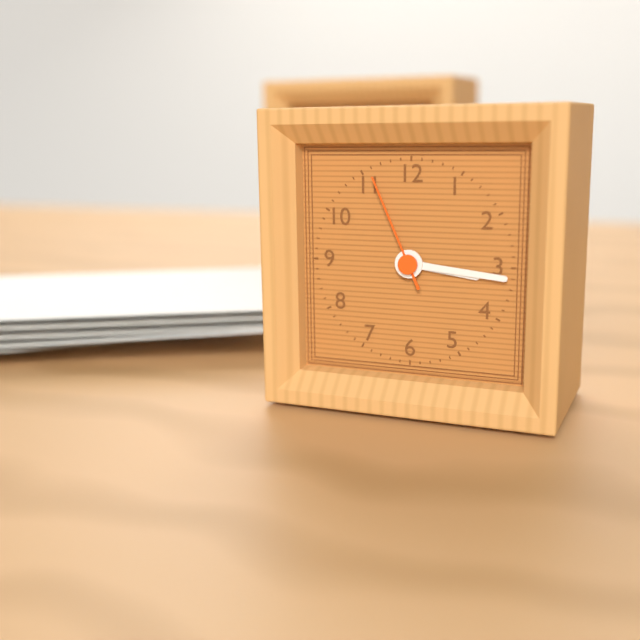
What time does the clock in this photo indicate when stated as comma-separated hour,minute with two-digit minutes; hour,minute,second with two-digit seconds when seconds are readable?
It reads 3,16,56
